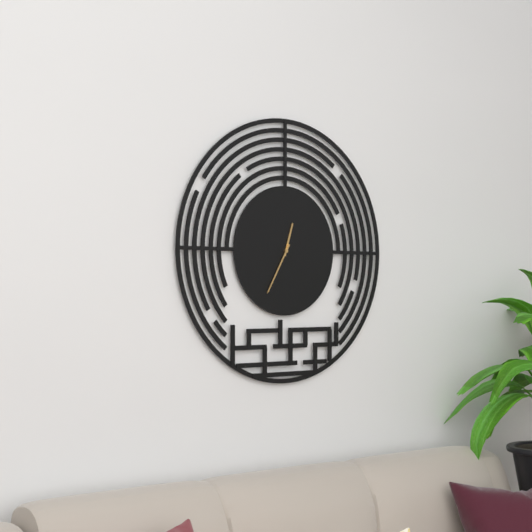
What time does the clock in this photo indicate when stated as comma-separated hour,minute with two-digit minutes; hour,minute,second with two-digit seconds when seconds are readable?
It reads 12,35
